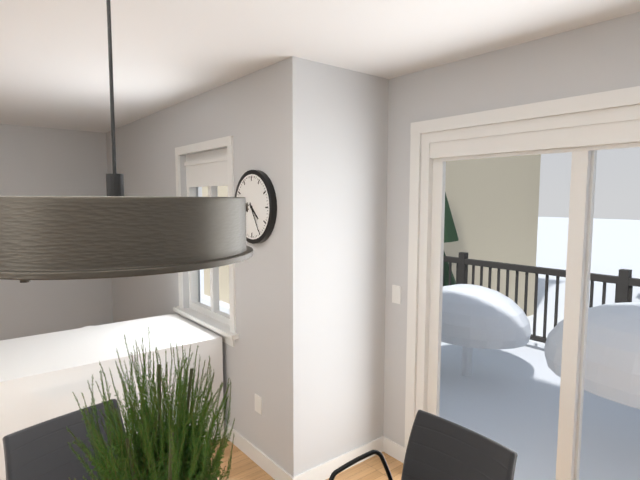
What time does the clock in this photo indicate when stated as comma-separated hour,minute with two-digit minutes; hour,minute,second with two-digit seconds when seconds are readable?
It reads 4,25
